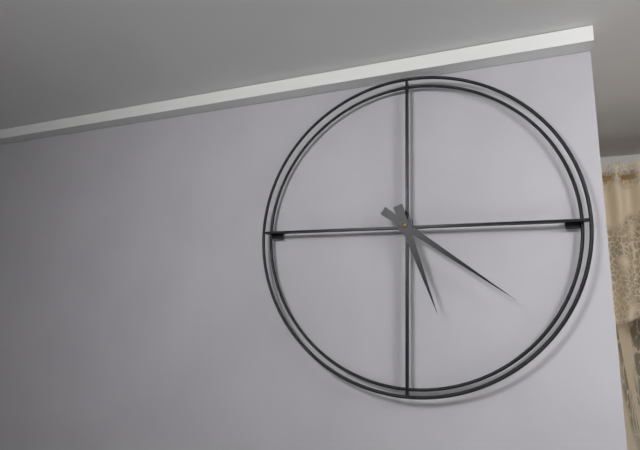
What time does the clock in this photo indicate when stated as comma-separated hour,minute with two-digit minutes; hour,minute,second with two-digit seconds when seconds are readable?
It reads 5,21
